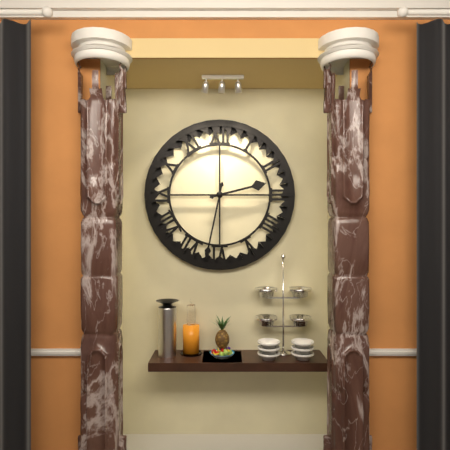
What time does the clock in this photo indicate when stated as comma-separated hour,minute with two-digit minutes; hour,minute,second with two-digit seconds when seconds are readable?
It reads 2,32
